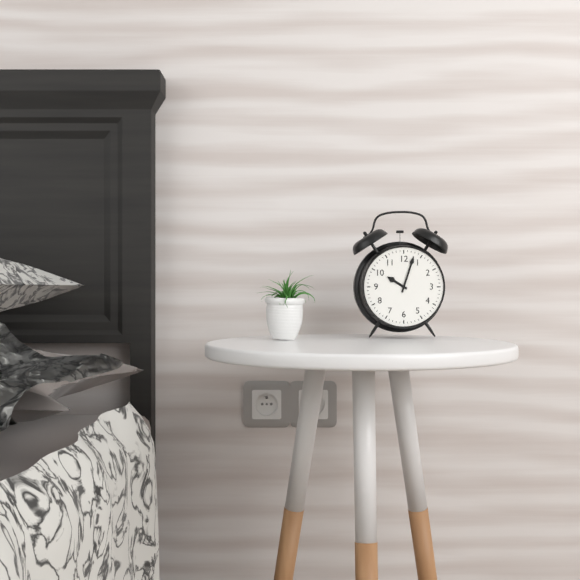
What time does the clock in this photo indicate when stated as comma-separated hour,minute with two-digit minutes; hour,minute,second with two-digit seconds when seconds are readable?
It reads 10,03
